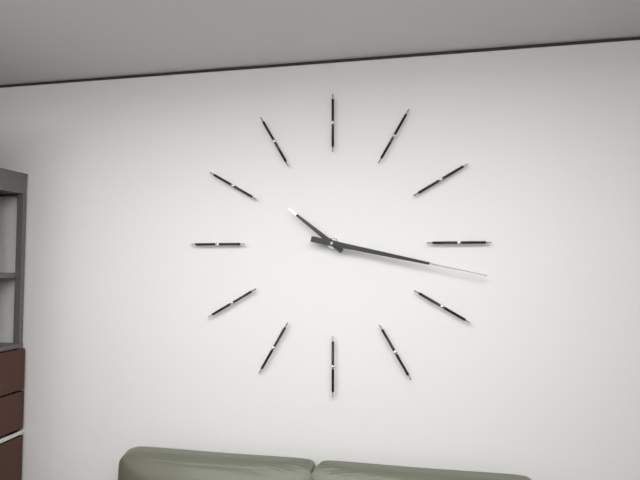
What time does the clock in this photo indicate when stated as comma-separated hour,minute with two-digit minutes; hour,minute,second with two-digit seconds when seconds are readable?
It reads 10,17
